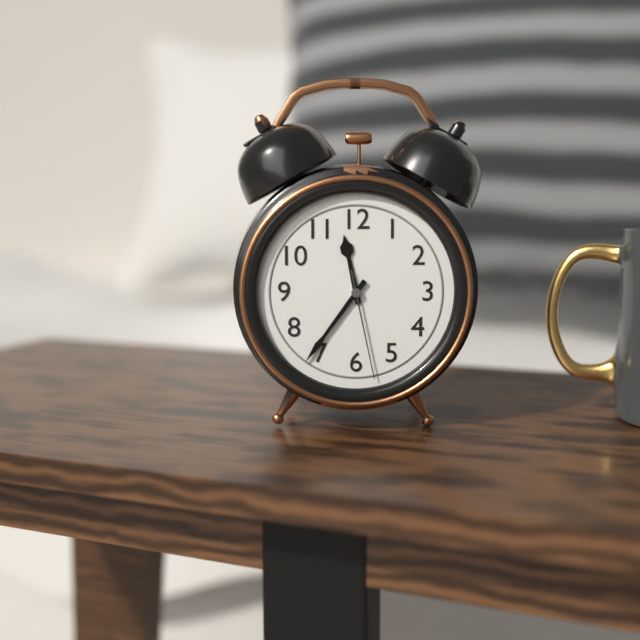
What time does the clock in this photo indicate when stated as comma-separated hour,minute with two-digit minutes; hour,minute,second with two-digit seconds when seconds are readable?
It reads 11,36,28
